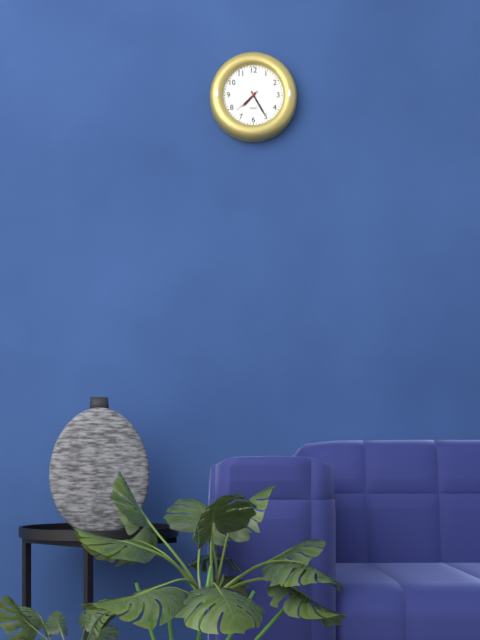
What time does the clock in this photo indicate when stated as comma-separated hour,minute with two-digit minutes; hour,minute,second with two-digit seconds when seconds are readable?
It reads 7,25
